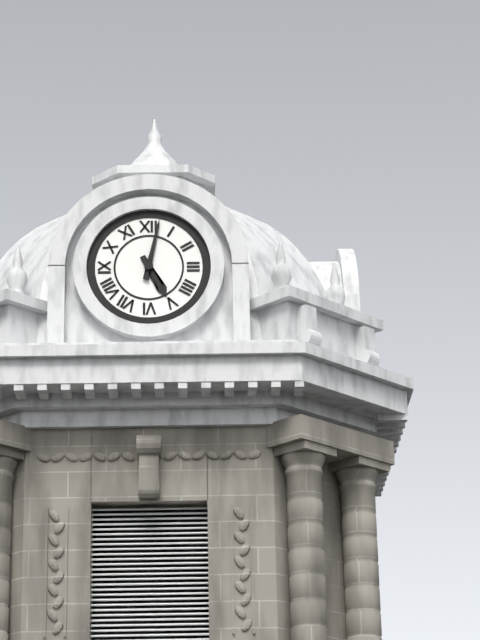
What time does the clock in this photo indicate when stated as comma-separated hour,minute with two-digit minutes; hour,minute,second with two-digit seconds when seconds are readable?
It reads 5,02
